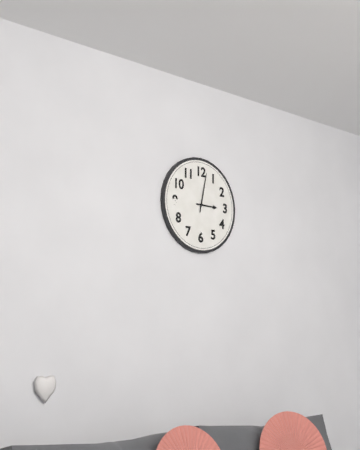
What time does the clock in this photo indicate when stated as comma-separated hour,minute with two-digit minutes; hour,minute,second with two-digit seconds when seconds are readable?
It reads 3,02
